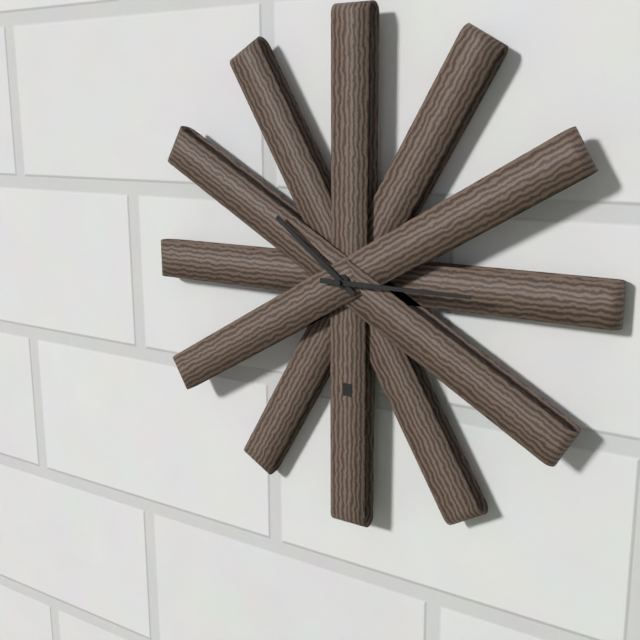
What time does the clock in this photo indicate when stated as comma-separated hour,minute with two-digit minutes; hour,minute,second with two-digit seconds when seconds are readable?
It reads 10,15
